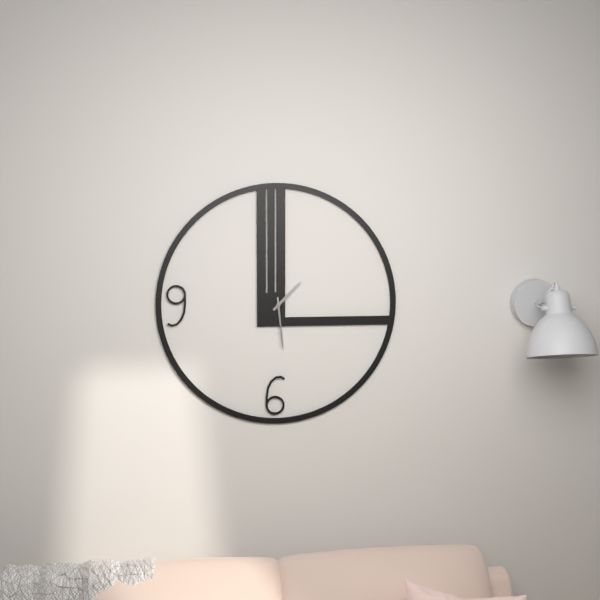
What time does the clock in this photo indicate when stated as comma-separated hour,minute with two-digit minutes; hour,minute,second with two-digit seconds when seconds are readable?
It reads 1,29
